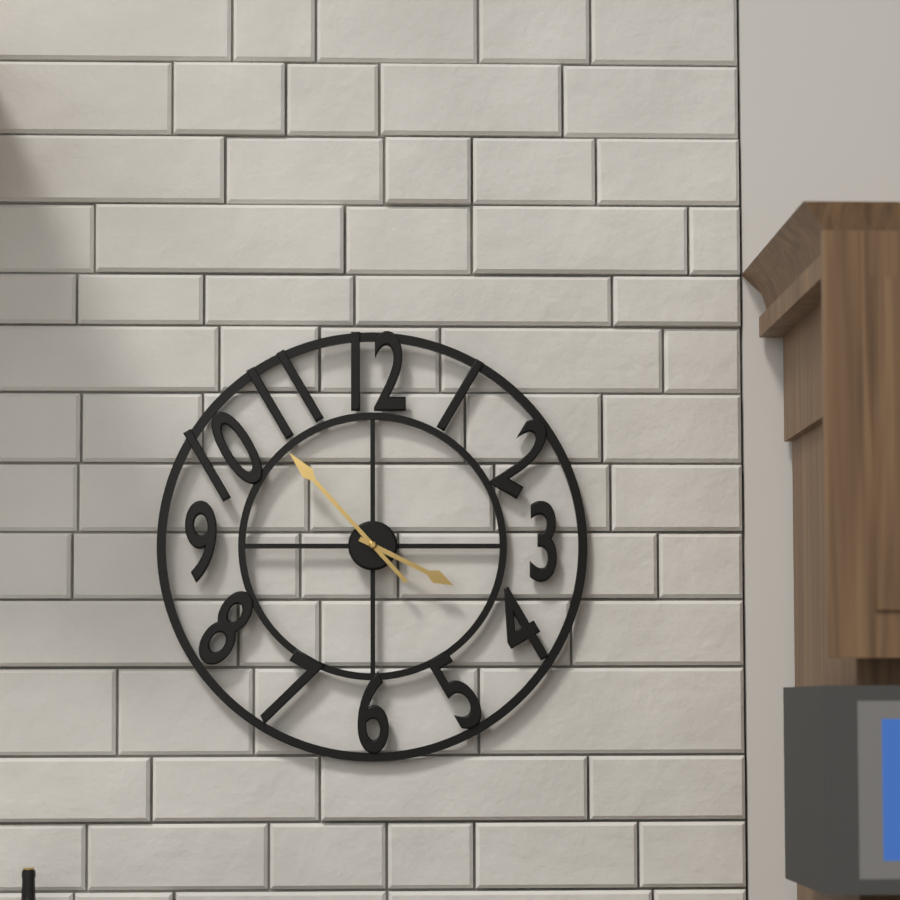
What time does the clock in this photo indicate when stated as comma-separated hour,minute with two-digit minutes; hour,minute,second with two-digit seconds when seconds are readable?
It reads 3,53
